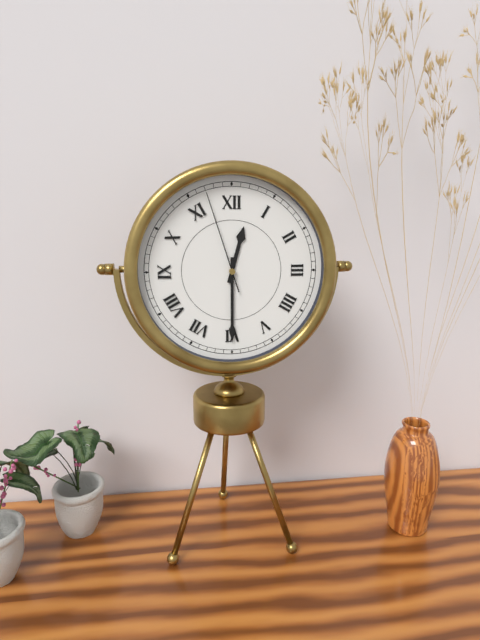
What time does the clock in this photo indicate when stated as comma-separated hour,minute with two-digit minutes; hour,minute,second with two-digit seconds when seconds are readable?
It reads 12,30,57
